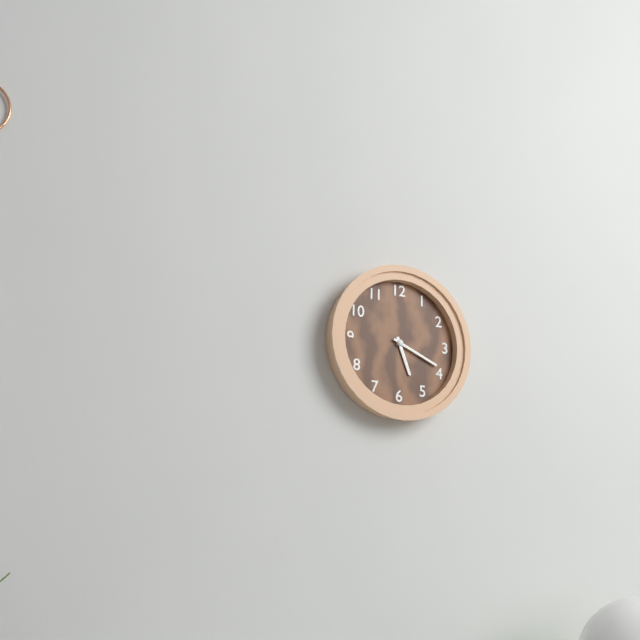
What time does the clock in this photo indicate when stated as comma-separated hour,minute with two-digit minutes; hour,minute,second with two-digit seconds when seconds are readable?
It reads 5,19
